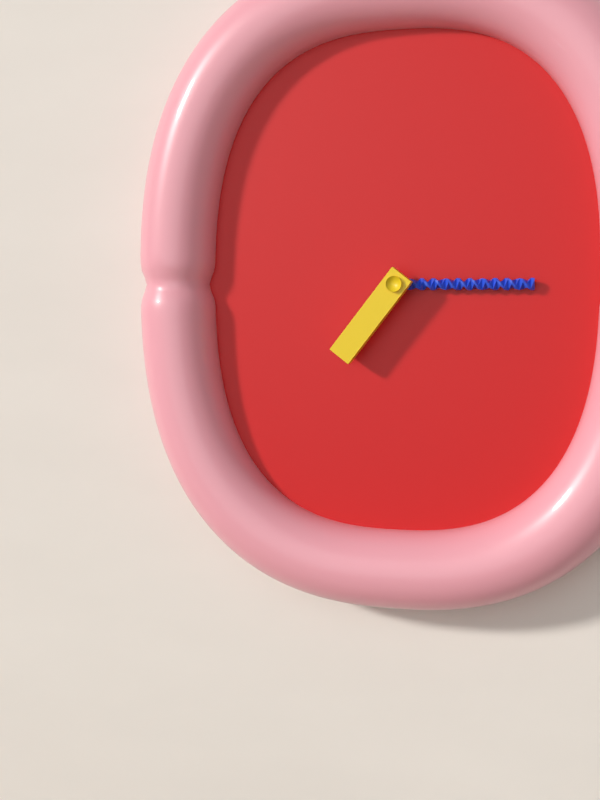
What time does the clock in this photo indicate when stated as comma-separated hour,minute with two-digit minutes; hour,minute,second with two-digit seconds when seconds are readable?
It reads 7,15
